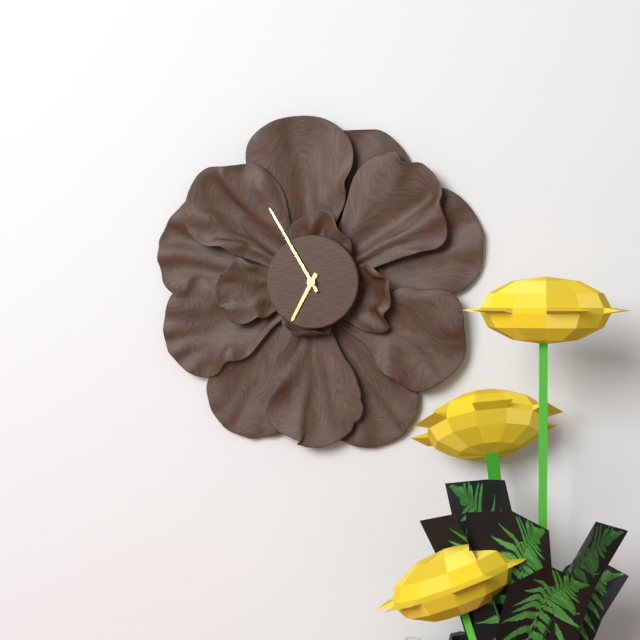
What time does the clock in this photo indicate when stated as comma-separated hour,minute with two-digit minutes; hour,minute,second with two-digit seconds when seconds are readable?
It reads 6,55
